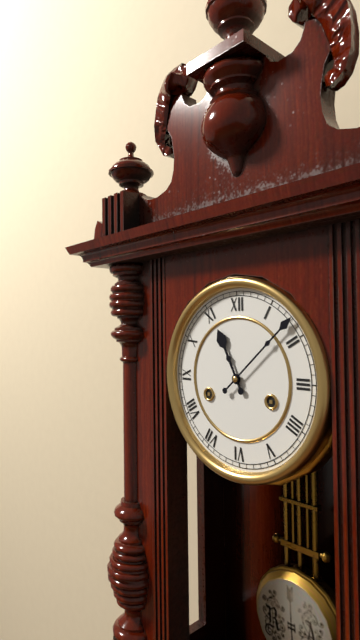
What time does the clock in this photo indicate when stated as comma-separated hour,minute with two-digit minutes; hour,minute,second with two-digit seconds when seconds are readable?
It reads 11,08
